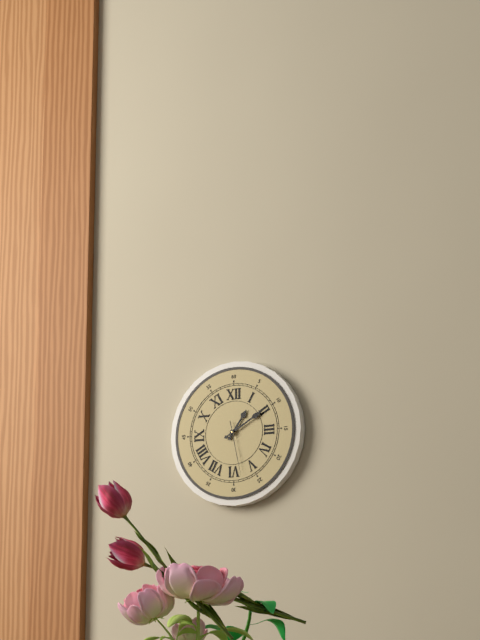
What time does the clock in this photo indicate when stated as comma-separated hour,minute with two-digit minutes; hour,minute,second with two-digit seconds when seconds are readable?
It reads 1,10,28
